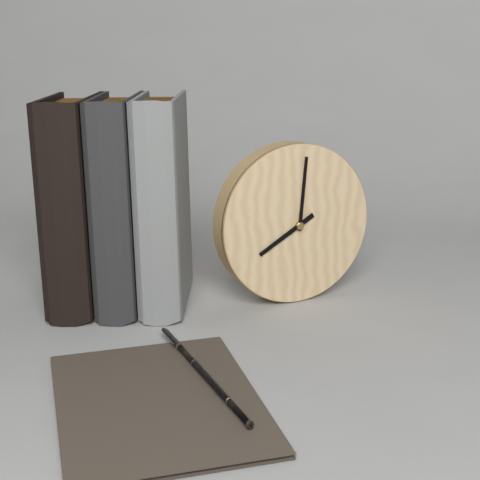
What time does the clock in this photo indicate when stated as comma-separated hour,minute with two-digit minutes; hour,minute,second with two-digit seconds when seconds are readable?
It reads 8,01
